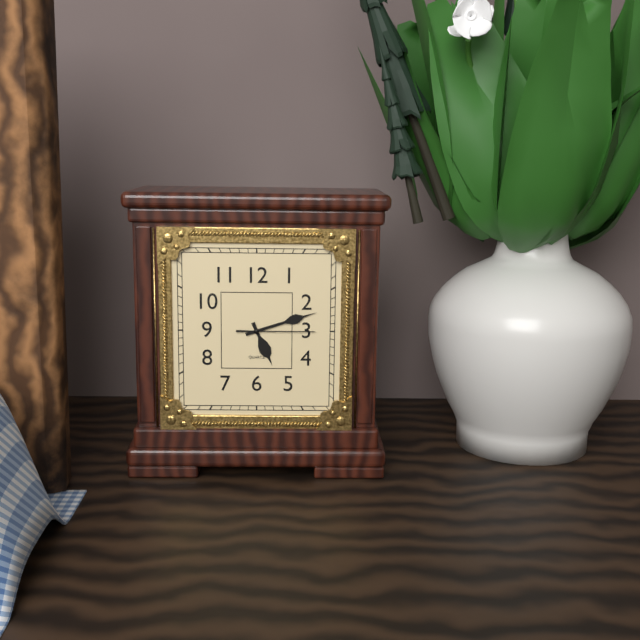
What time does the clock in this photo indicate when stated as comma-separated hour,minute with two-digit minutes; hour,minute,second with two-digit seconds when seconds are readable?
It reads 5,12,15
